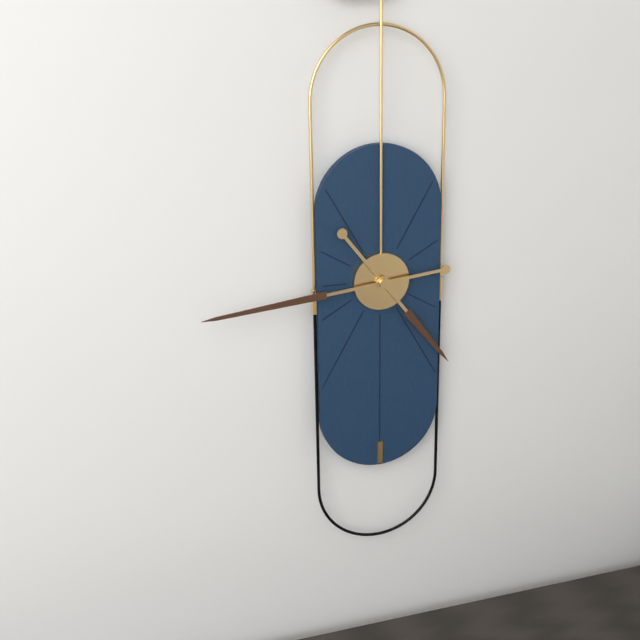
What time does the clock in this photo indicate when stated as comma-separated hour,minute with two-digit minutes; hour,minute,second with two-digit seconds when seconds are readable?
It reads 4,44
